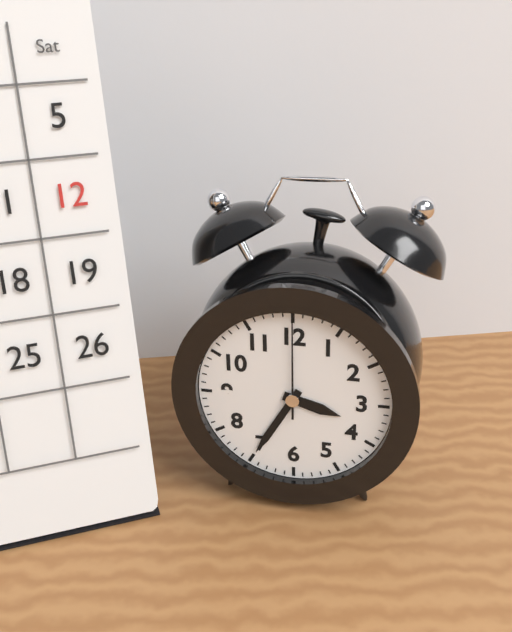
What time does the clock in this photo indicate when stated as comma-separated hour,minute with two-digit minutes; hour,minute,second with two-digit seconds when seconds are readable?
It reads 3,35,00
